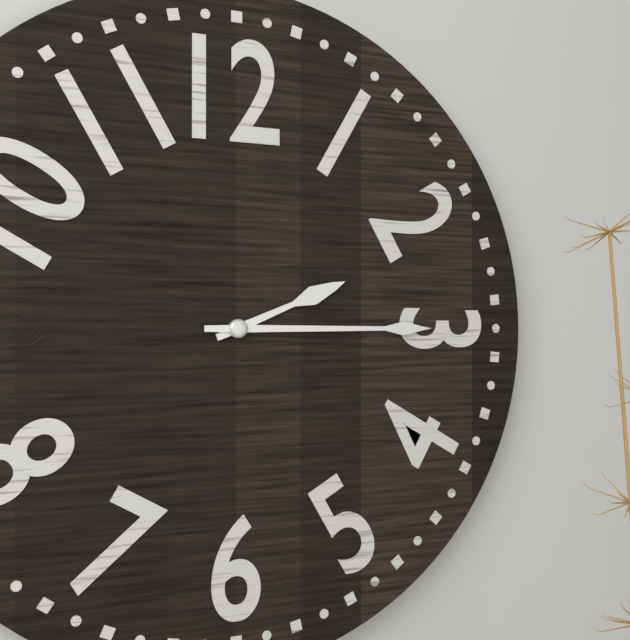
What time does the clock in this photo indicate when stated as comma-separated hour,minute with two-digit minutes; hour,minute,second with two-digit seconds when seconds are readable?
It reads 2,15
